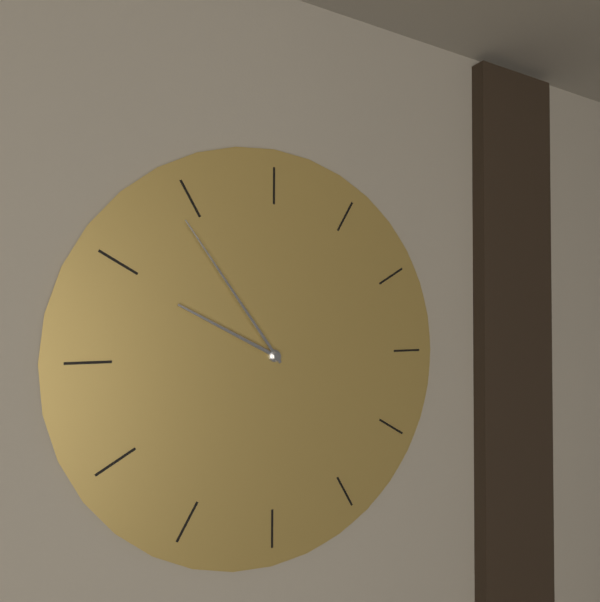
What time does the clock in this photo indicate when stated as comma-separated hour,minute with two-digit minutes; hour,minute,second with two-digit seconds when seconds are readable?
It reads 9,54
